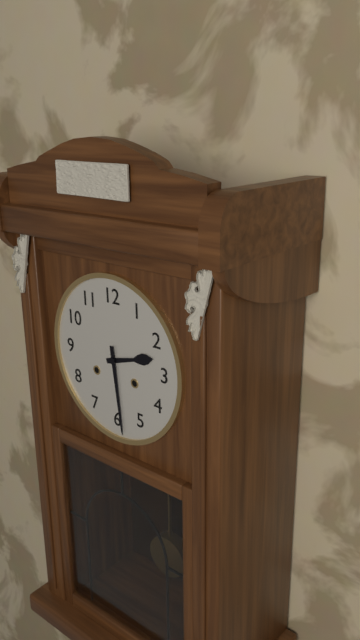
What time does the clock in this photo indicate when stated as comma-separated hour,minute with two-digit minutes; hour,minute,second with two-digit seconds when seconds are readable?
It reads 2,29
